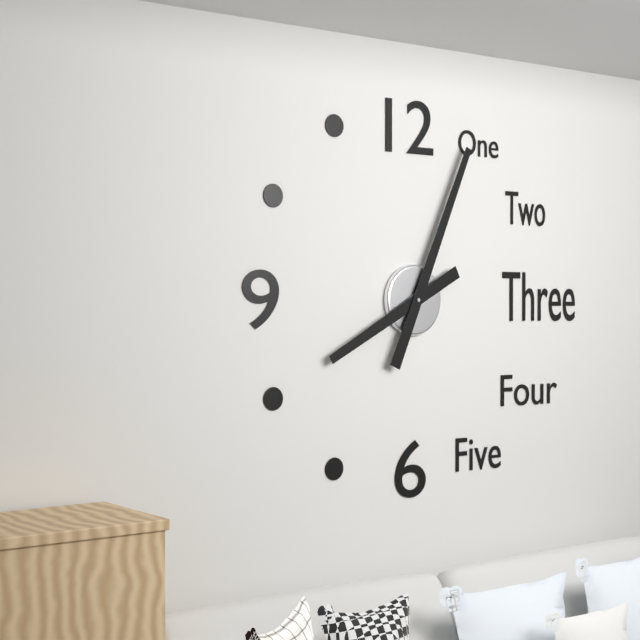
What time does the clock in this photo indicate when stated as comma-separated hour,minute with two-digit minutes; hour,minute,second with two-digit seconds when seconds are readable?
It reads 8,04
